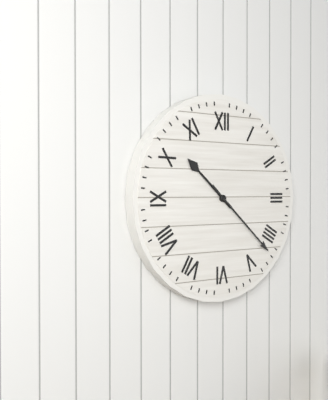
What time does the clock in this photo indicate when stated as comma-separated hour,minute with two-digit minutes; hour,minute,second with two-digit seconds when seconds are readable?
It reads 10,22
